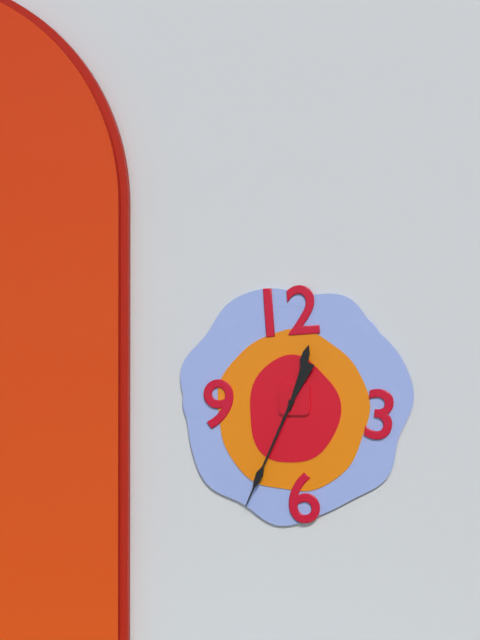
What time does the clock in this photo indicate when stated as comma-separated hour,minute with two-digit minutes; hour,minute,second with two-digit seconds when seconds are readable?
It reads 12,34
